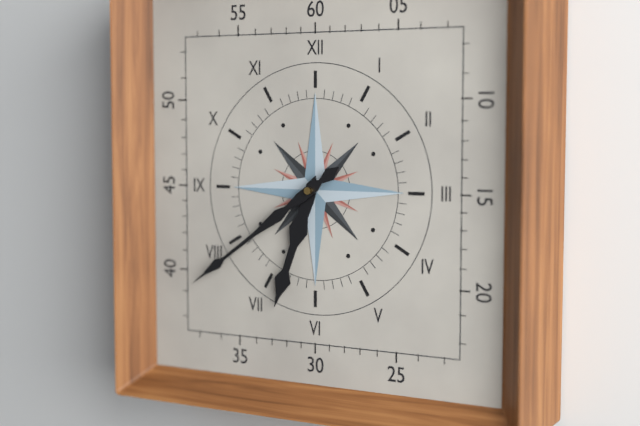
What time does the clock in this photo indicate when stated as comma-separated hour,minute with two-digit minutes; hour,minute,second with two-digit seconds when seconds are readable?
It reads 6,39
